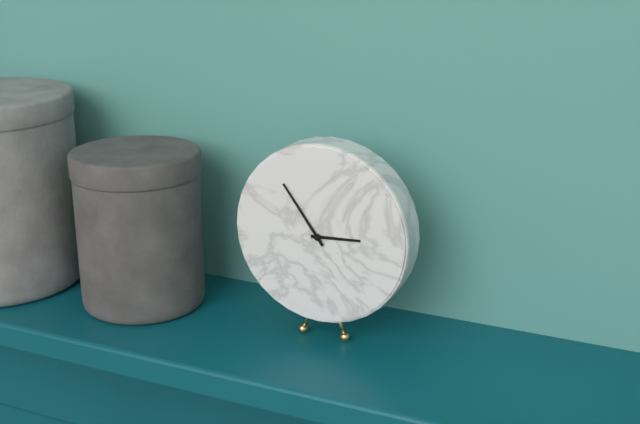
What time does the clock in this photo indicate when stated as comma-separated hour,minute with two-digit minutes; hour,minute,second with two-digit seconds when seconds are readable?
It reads 2,54
